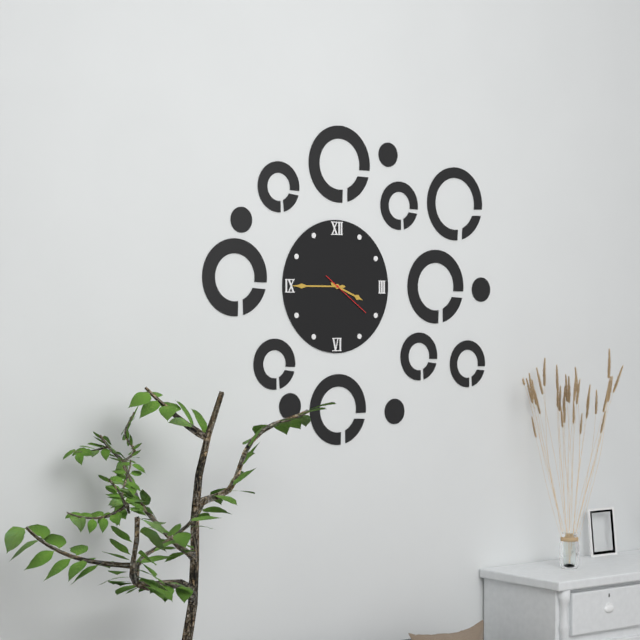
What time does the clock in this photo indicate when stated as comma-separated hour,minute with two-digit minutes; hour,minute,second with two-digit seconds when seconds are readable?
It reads 3,45,21
